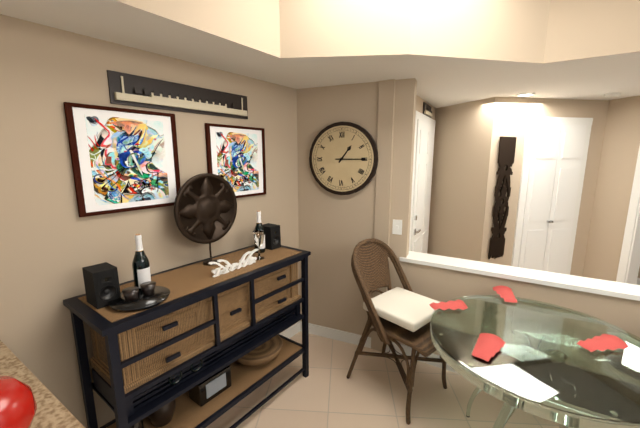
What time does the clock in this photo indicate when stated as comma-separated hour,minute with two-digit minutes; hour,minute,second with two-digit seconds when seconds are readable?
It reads 1,15
